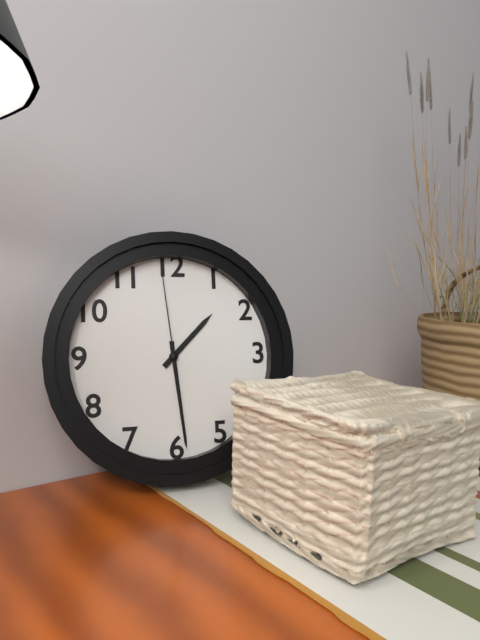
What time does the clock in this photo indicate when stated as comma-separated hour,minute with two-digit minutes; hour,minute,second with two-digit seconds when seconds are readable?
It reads 1,29,59
